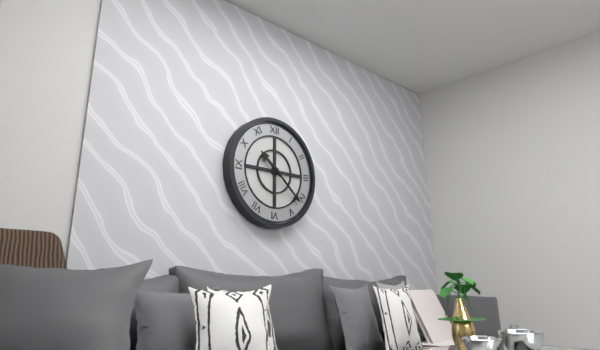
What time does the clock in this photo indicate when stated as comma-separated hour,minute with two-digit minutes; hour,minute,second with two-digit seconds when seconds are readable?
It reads 10,22
